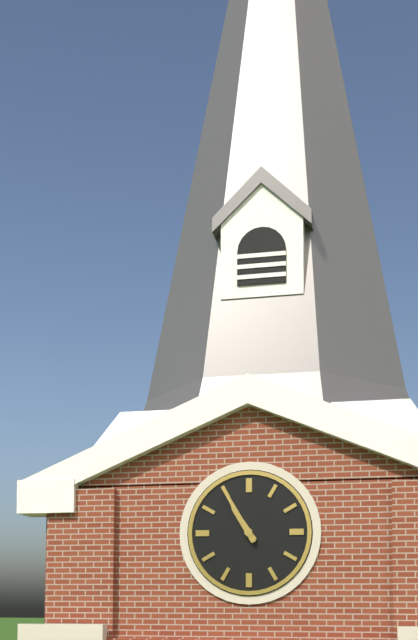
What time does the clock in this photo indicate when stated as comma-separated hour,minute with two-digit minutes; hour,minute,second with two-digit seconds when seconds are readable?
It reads 10,55
